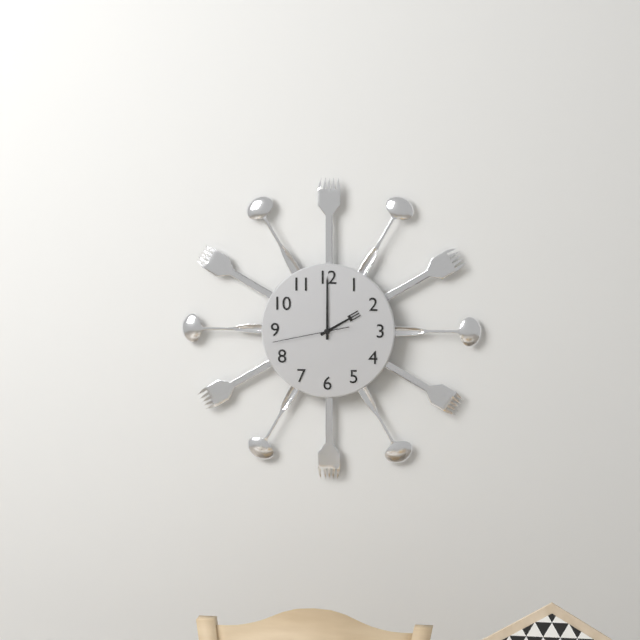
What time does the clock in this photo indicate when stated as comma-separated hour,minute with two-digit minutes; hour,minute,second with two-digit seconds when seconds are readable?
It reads 2,00,43
